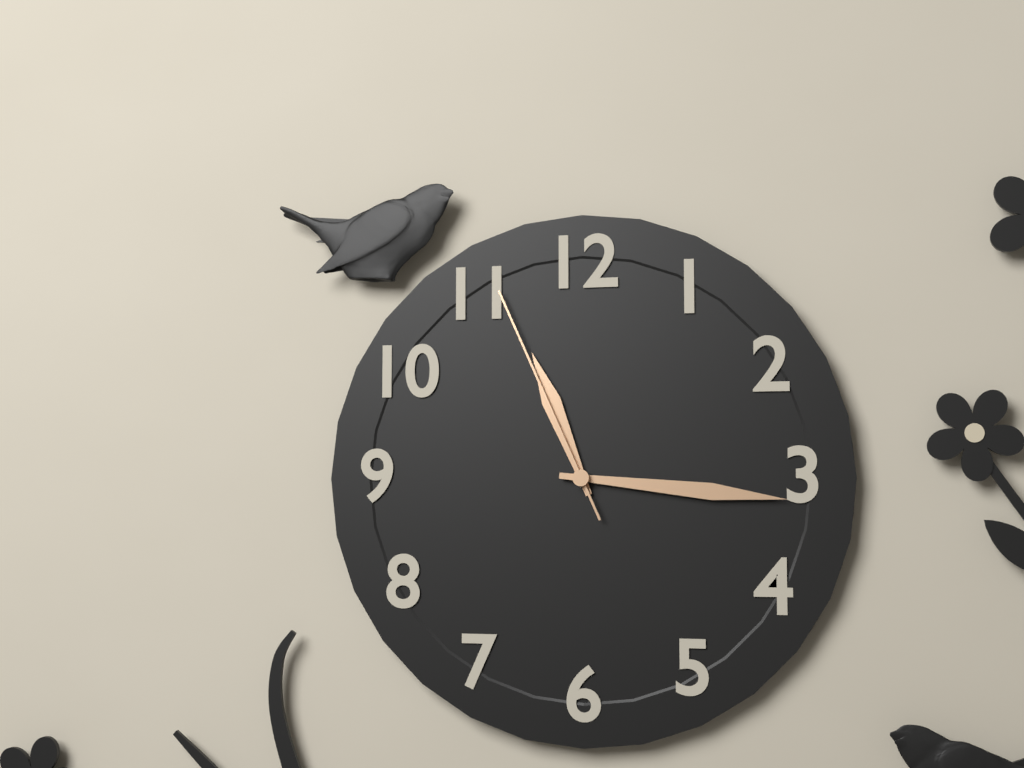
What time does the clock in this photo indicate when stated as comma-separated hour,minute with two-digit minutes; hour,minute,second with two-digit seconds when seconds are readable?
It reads 11,16,56
